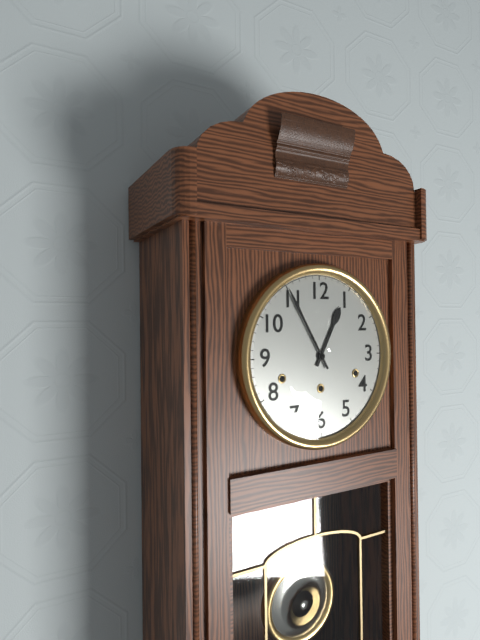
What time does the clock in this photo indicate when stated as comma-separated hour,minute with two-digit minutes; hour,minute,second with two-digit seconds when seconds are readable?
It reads 12,55
